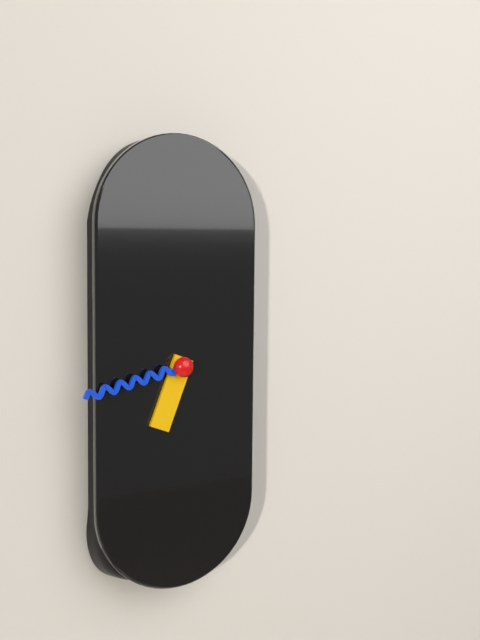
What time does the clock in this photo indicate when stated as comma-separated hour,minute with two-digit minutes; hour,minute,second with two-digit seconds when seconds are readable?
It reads 6,43
